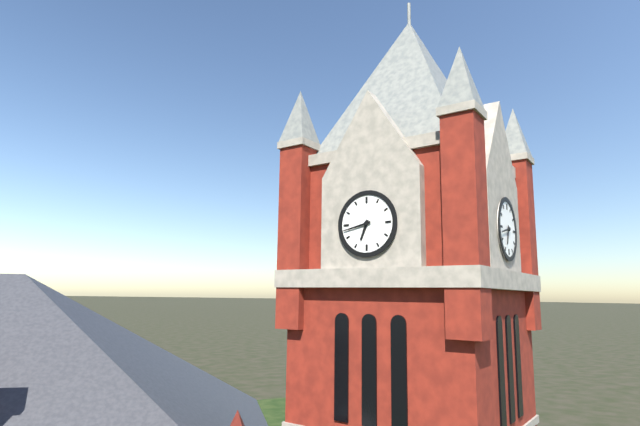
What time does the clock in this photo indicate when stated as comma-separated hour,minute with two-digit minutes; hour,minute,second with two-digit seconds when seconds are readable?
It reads 6,43
